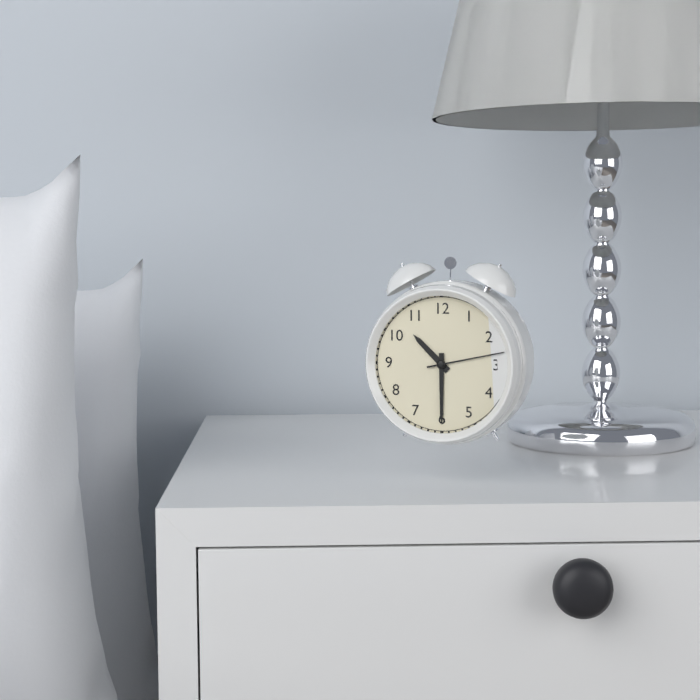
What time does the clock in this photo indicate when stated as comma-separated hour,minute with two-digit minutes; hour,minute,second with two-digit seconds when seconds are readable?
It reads 10,30,13
